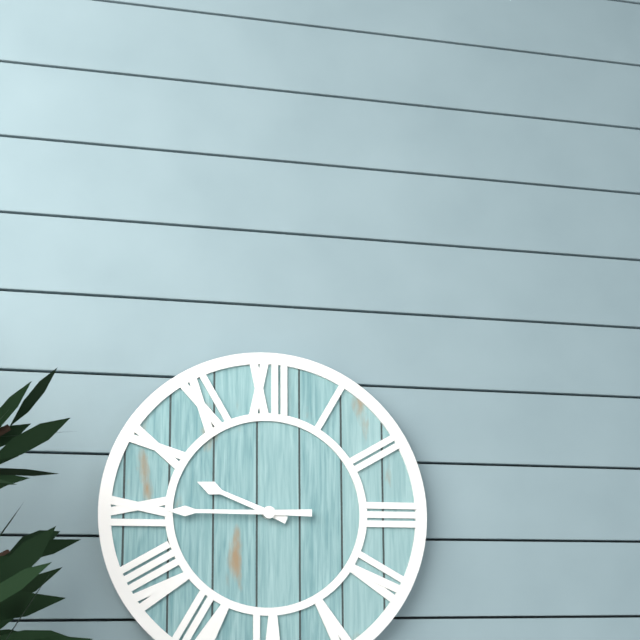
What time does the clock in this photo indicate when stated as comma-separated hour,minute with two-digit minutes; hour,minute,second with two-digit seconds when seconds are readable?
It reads 9,45
